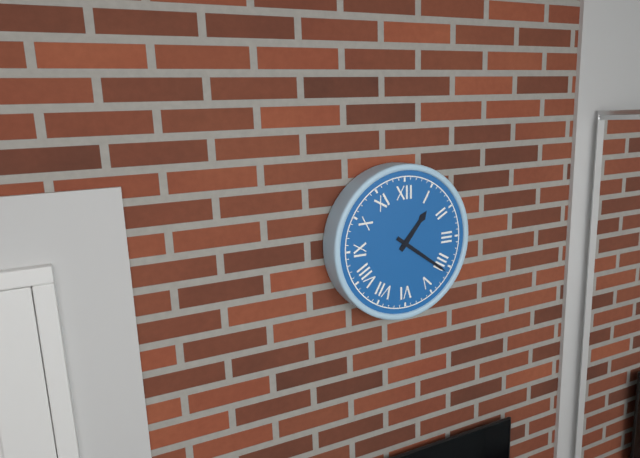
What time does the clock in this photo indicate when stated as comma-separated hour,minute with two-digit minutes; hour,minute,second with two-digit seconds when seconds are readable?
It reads 1,21
